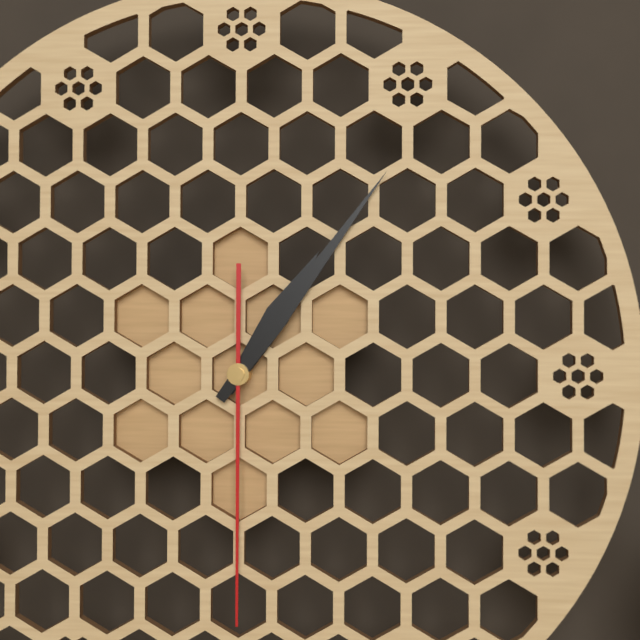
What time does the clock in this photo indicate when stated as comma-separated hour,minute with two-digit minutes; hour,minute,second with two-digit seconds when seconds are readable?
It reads 1,06,30
